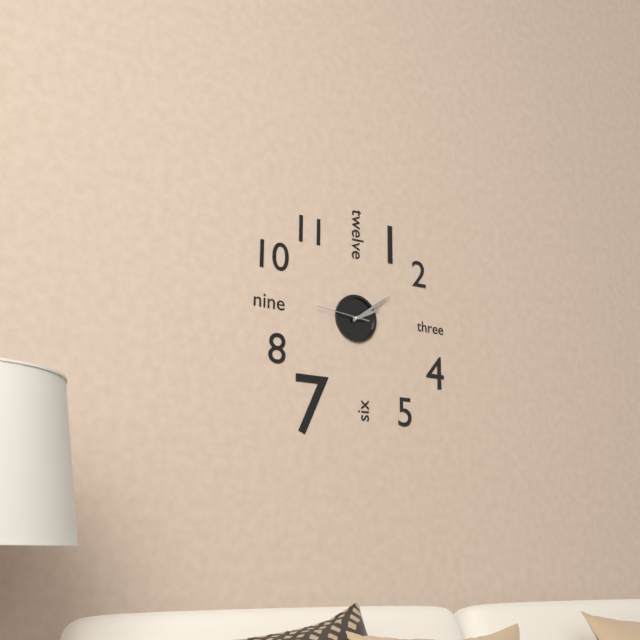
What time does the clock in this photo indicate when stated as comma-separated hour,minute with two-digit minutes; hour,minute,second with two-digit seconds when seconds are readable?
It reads 2,09,46
